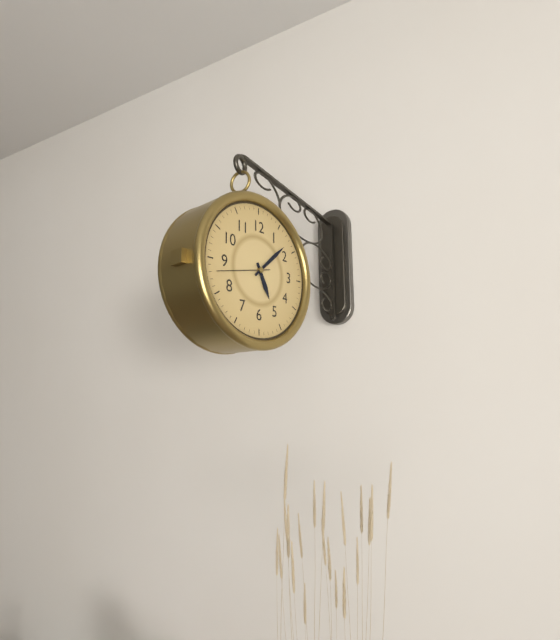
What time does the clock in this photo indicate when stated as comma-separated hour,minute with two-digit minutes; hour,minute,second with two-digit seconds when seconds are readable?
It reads 5,08,43
